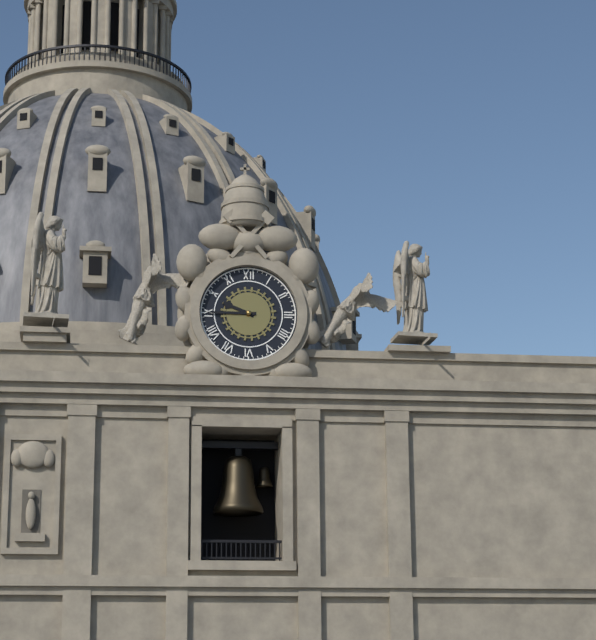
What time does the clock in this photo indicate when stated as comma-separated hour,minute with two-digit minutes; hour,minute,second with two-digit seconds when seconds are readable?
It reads 9,45
